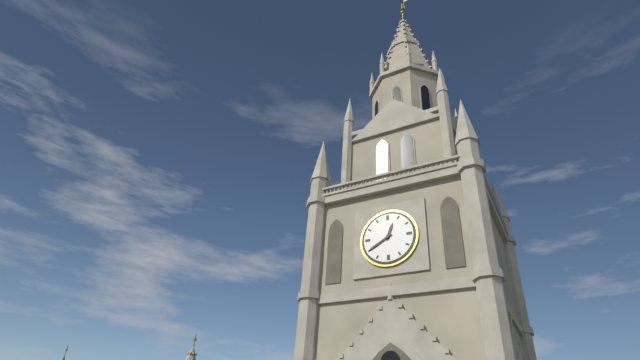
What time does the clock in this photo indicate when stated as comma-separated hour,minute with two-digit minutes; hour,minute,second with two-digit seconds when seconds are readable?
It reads 12,40
